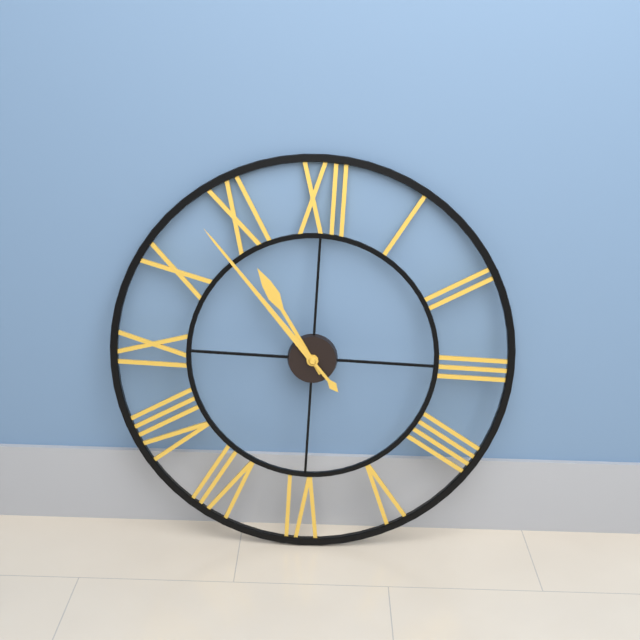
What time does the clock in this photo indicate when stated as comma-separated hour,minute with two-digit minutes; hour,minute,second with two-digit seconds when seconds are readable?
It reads 10,53
